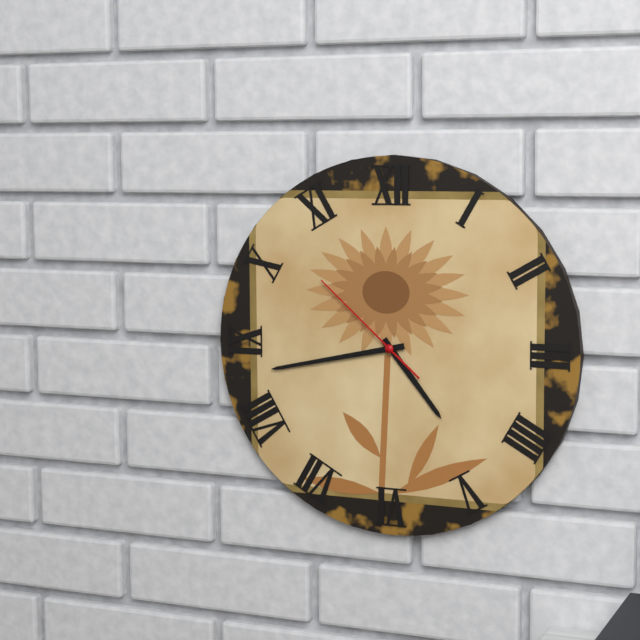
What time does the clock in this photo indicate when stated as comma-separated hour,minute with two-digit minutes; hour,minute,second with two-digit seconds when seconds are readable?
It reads 4,43,52
